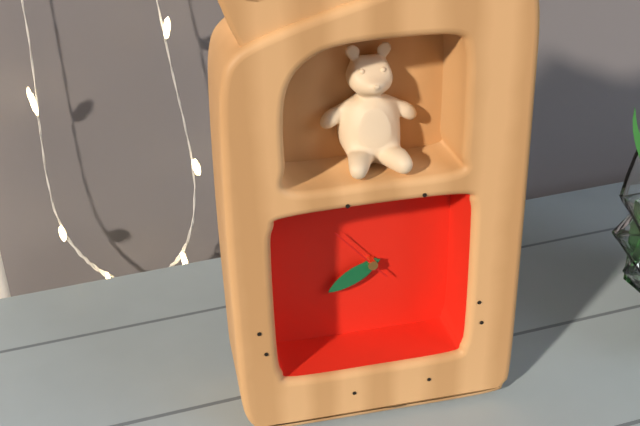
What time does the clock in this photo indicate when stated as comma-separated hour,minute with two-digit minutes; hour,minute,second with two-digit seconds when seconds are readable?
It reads 7,40,53
